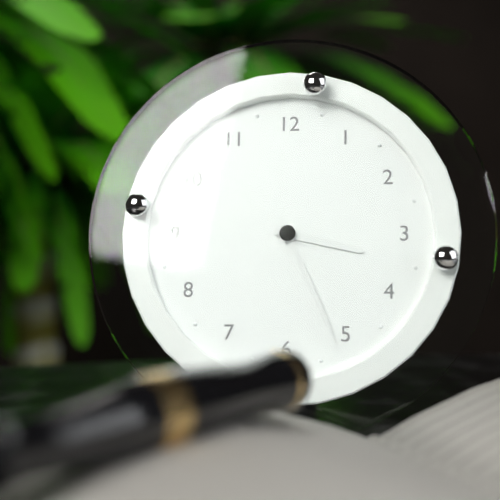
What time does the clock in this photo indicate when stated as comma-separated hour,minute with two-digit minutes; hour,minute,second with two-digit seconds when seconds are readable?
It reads 3,26
